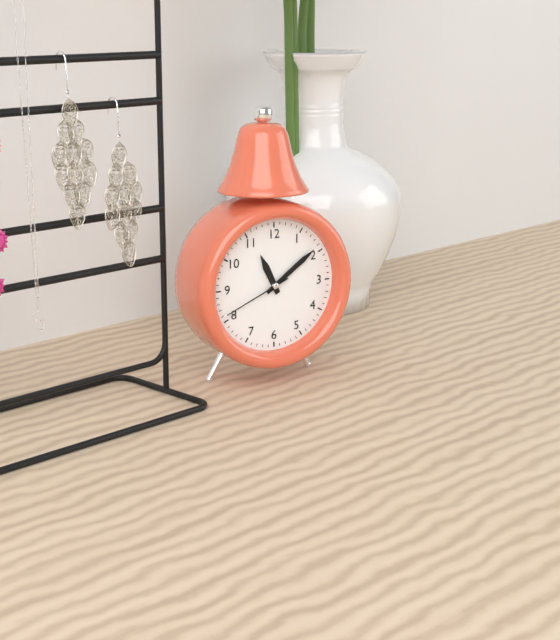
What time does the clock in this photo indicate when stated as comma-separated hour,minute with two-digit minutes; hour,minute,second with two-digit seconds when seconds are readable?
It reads 11,09,41
